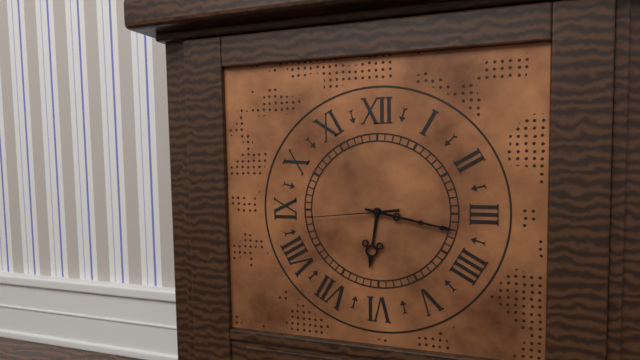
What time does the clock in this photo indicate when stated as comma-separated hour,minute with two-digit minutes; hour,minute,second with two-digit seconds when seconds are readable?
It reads 6,17,44
